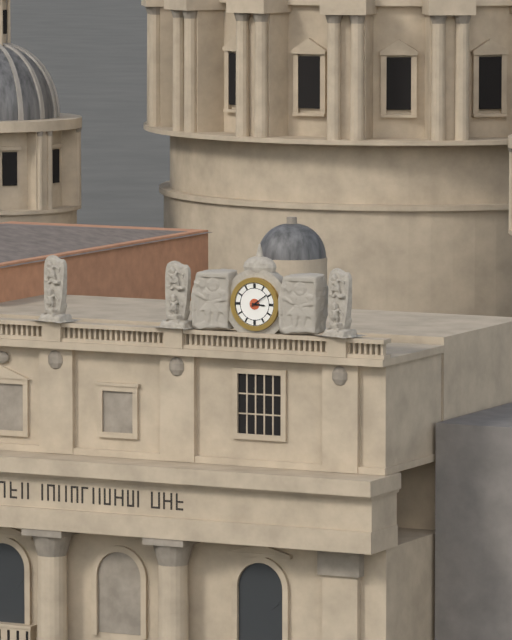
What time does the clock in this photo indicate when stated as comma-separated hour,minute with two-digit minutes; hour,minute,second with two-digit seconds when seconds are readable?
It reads 3,09
